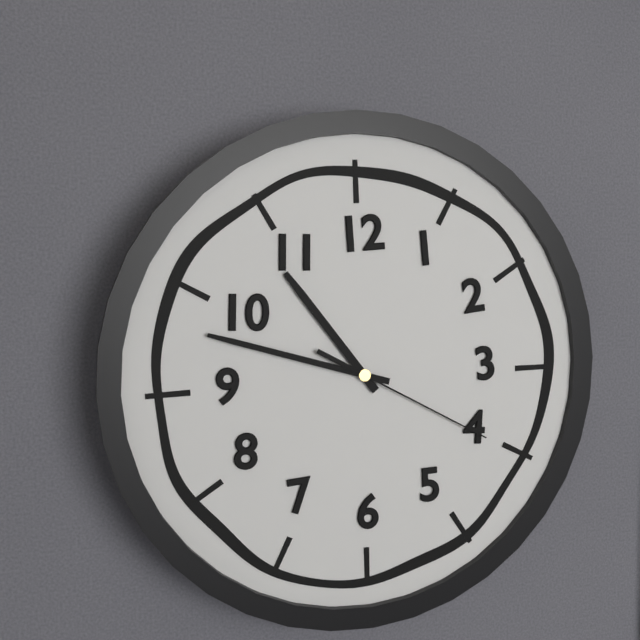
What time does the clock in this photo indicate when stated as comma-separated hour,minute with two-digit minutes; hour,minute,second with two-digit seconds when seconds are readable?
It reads 10,48,20
